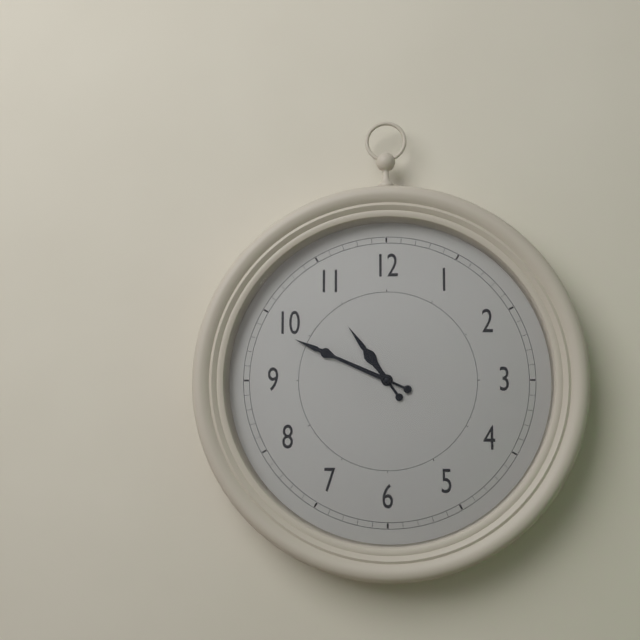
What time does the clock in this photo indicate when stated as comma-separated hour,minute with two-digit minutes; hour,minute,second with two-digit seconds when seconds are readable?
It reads 10,49
